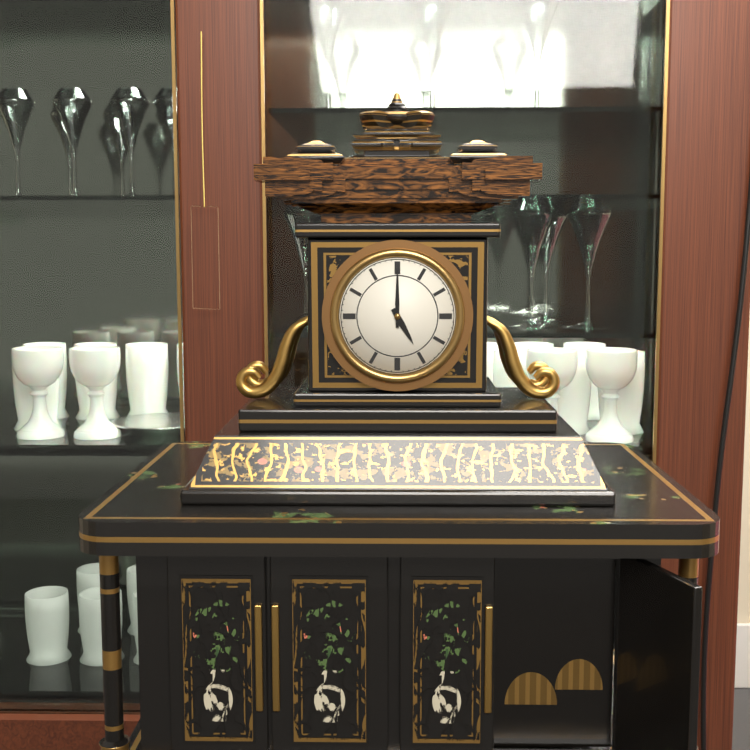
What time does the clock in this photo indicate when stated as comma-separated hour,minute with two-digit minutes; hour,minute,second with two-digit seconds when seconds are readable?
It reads 5,00
